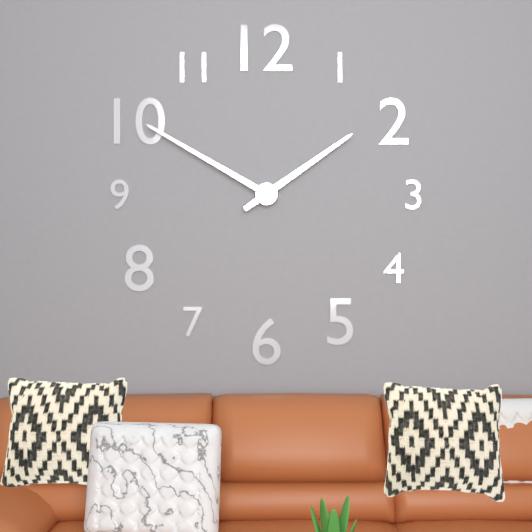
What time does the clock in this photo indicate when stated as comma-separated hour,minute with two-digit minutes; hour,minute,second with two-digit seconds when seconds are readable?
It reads 1,50
